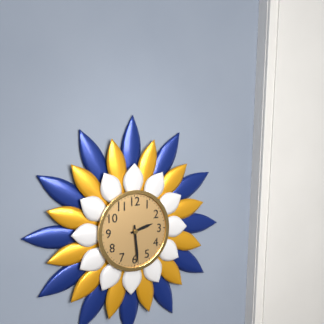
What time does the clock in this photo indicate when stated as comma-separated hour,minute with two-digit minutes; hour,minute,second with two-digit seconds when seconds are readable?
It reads 2,29
